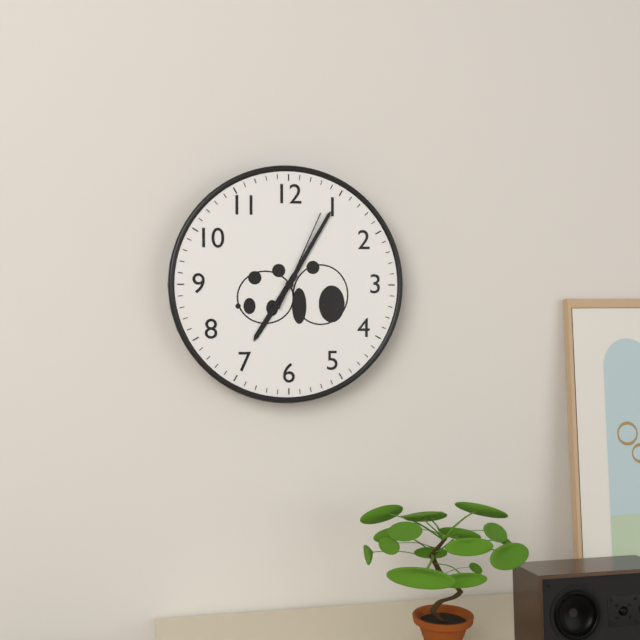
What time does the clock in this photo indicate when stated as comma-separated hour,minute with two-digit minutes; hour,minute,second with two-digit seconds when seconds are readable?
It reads 7,05,04
